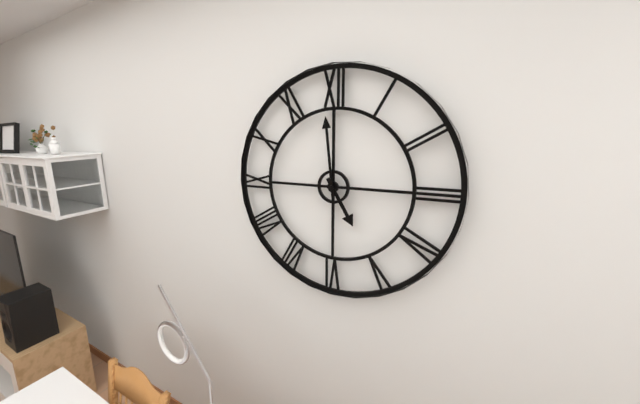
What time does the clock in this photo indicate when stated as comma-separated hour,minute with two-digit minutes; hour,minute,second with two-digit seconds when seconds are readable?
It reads 4,59
